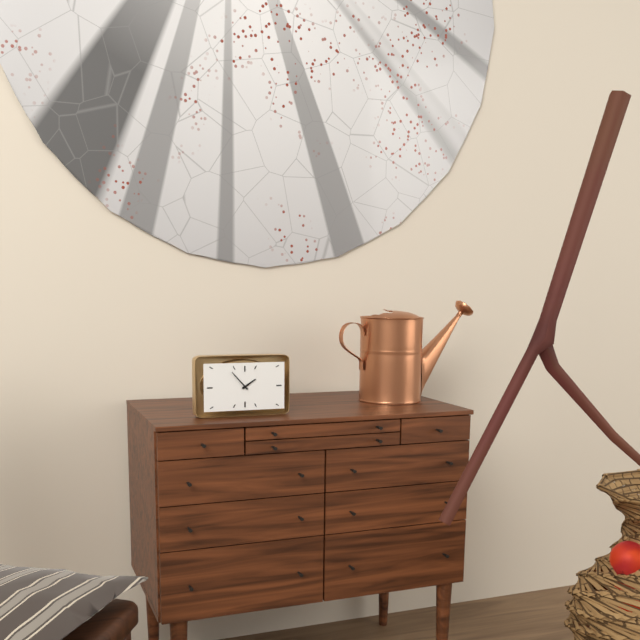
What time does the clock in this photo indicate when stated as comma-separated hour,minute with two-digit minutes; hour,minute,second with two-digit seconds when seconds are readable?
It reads 1,53
